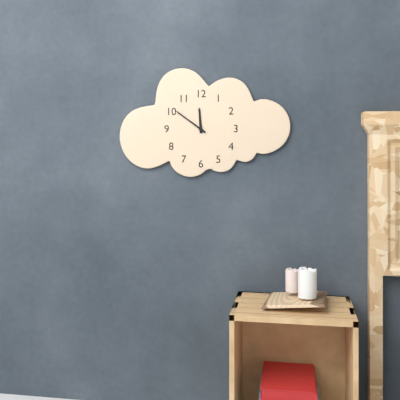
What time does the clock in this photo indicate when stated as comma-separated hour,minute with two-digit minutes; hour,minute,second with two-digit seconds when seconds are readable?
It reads 11,51
